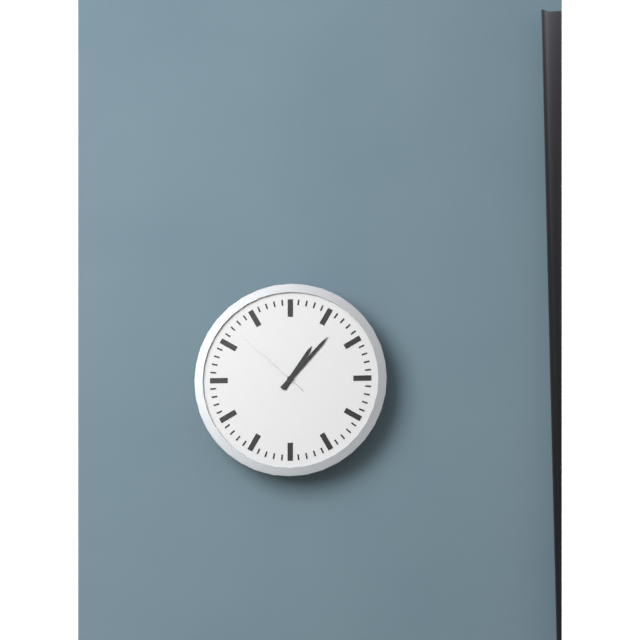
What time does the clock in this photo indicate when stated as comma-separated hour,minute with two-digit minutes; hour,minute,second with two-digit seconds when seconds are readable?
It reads 1,07,52
